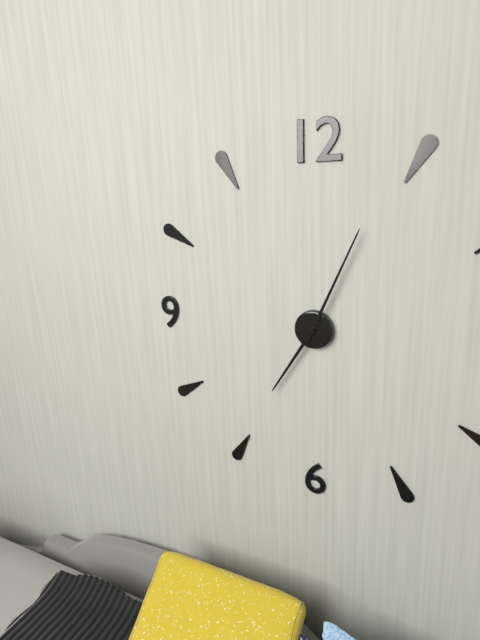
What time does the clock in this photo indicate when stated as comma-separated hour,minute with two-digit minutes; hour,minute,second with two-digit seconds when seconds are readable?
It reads 7,04
